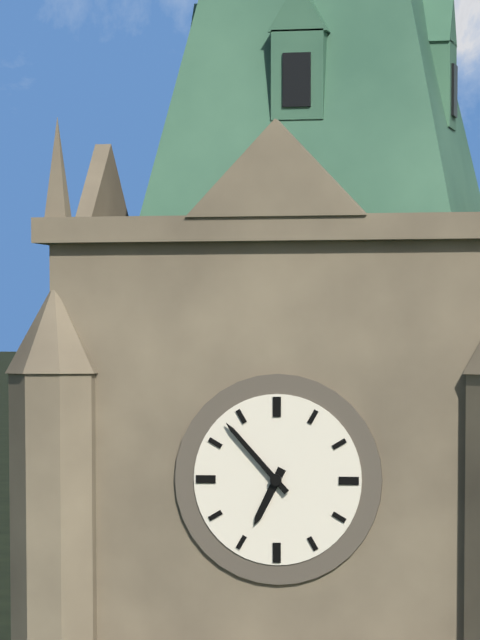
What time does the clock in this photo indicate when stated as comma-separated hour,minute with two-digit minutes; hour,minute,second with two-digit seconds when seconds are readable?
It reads 6,53
